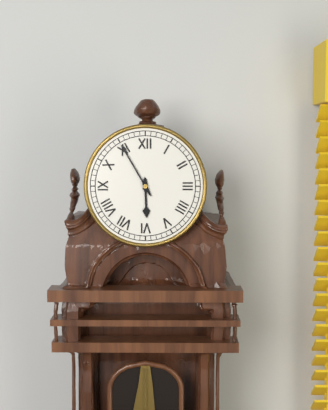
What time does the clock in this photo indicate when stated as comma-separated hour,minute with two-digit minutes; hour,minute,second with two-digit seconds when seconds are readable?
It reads 5,55
